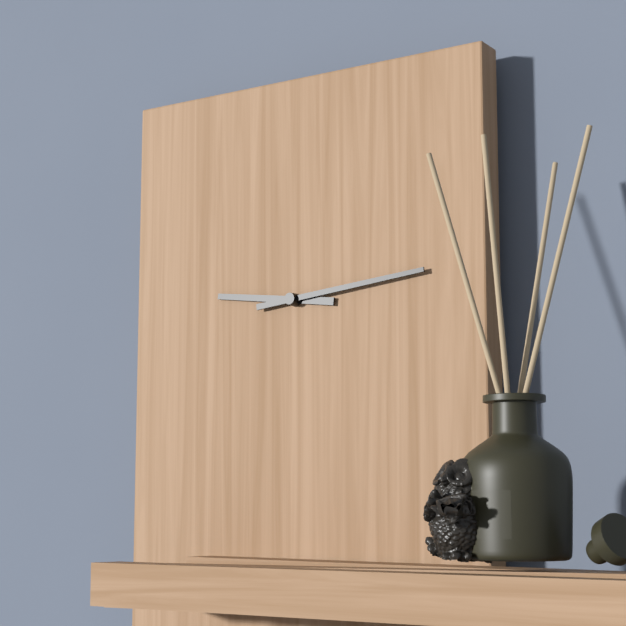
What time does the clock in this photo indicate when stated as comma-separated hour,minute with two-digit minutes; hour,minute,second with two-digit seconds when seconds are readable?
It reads 9,14
